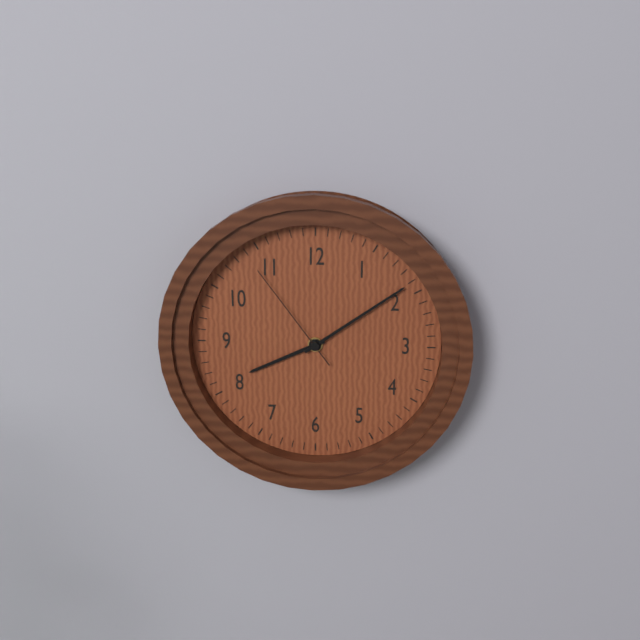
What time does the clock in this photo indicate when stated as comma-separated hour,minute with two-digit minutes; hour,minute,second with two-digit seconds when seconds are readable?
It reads 8,09,54
